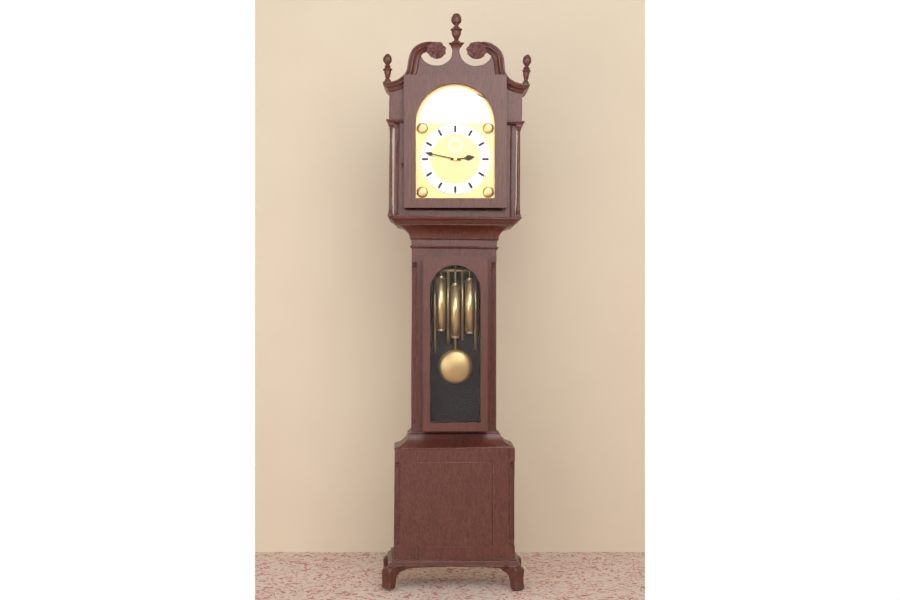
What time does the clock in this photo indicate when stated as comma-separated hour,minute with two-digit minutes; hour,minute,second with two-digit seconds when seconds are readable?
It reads 2,47
